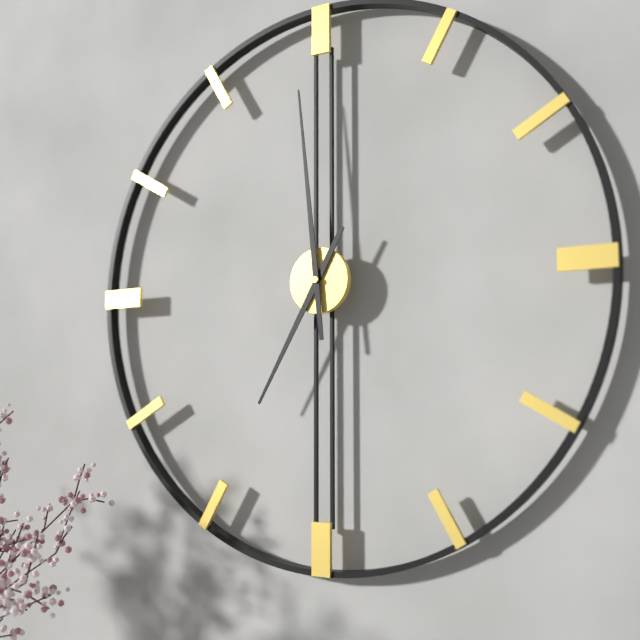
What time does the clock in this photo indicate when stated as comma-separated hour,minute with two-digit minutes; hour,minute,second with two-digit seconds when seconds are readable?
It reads 6,59
